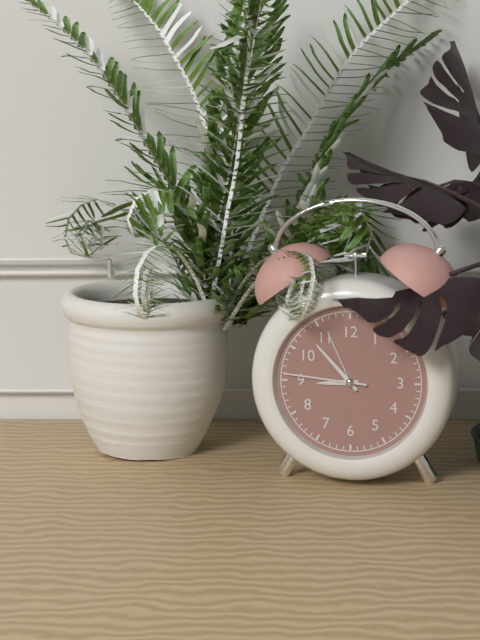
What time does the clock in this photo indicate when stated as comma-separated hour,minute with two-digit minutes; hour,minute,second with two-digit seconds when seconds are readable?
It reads 8,53,46
